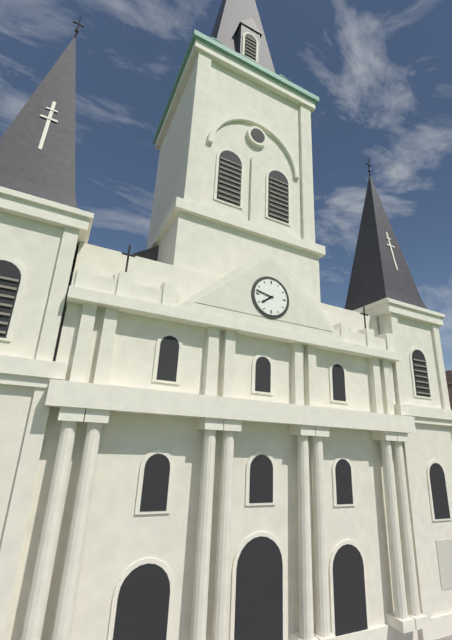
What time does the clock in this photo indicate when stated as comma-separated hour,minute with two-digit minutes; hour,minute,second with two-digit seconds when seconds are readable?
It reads 7,47
